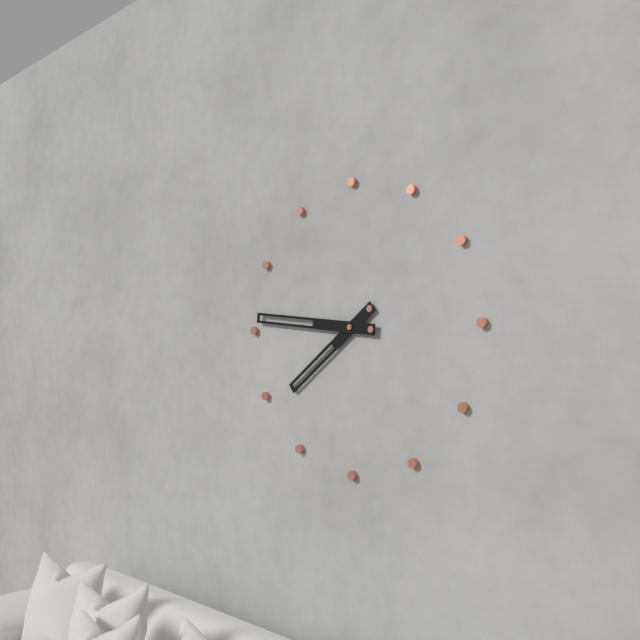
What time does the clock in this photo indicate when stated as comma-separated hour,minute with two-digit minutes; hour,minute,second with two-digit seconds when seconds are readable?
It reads 7,46
